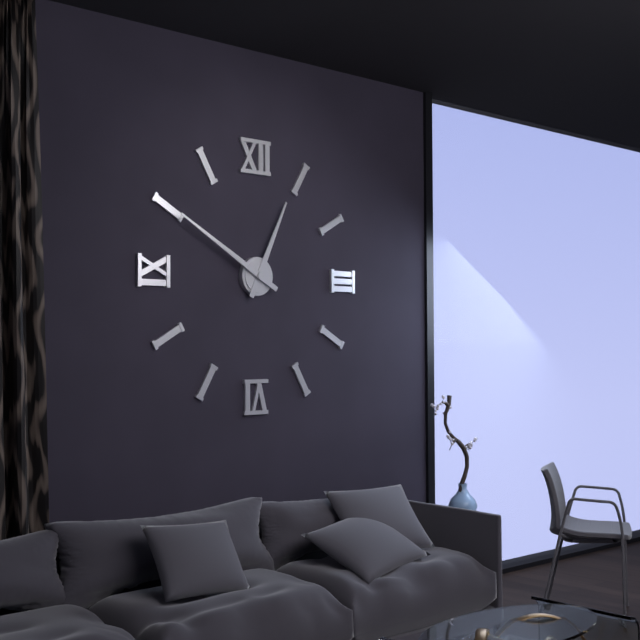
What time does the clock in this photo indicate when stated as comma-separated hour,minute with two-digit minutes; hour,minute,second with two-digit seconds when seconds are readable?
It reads 12,50
